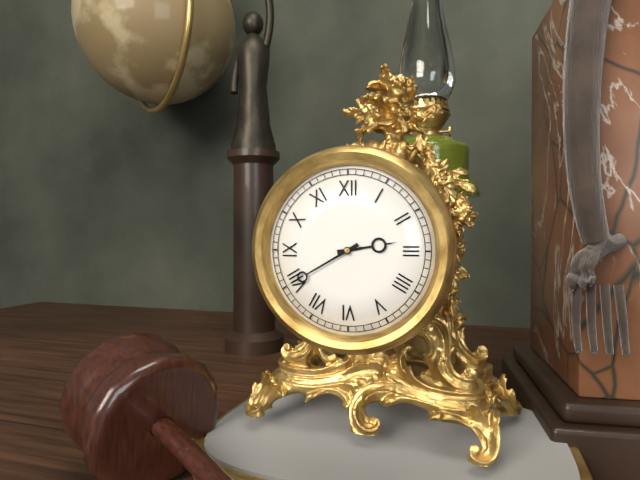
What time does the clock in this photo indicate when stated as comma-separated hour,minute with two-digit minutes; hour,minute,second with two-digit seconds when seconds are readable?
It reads 2,40
